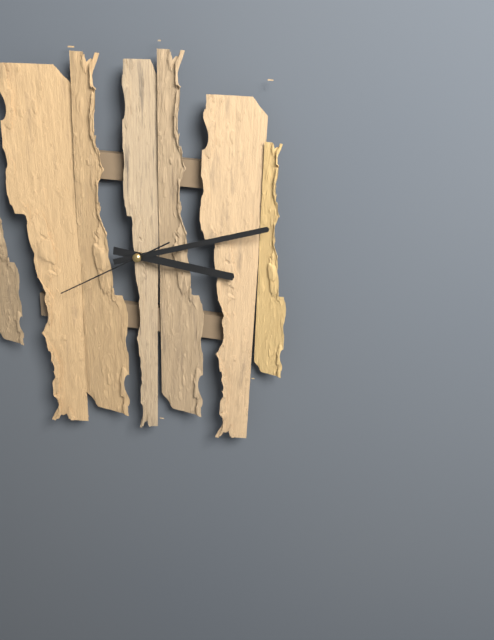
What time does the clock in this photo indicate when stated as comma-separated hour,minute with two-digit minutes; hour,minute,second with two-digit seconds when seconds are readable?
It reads 3,12,40
